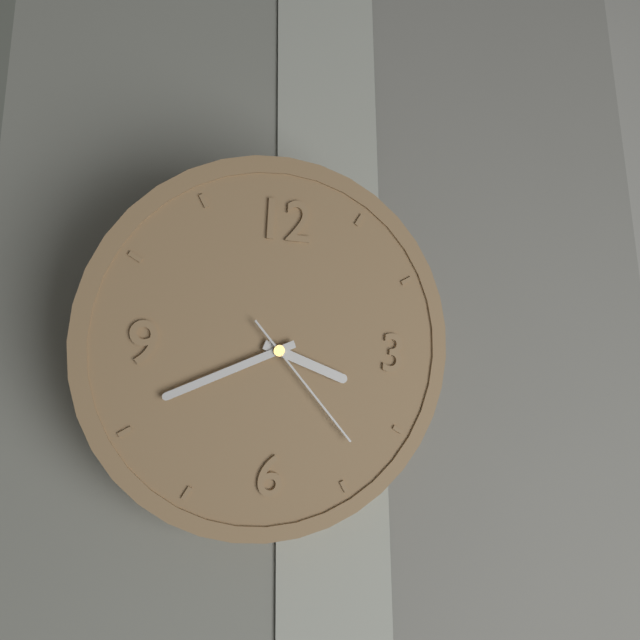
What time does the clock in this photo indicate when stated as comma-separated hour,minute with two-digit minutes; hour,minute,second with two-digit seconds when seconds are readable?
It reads 3,41,23
